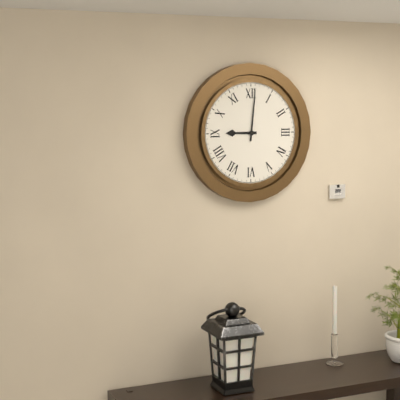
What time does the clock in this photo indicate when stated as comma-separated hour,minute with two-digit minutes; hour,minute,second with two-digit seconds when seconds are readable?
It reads 9,01
